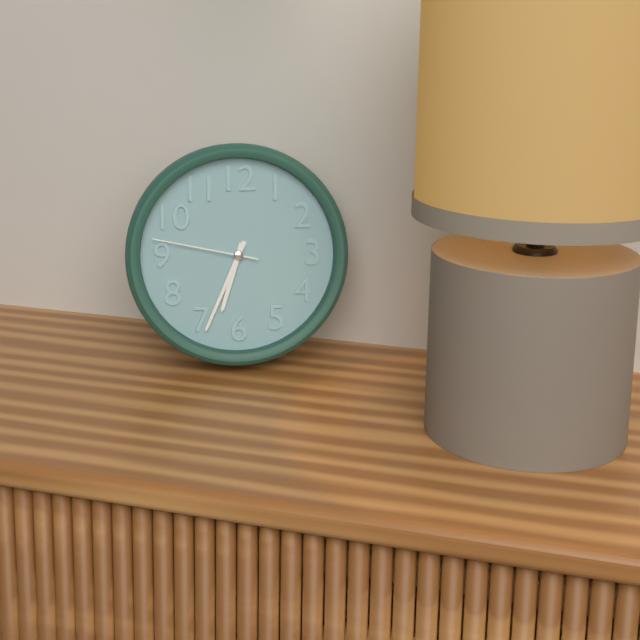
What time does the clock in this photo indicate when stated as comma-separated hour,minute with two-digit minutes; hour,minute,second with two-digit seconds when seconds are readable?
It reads 6,34,47
